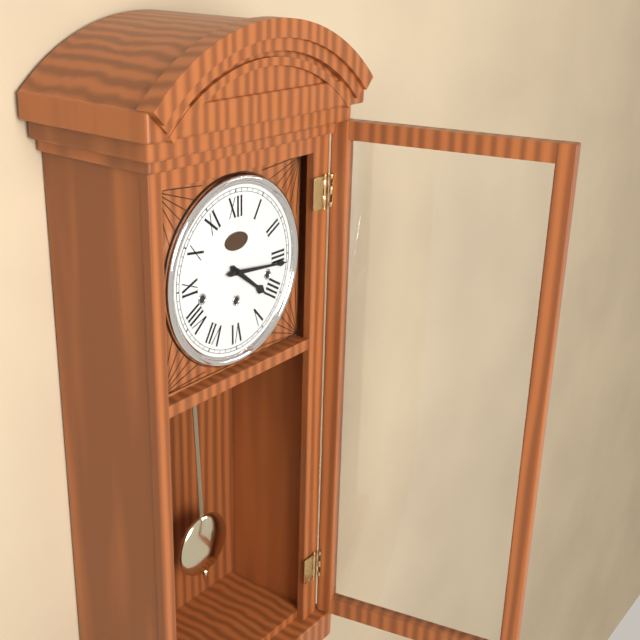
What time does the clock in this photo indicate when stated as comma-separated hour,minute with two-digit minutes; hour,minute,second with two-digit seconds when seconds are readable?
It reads 4,16
